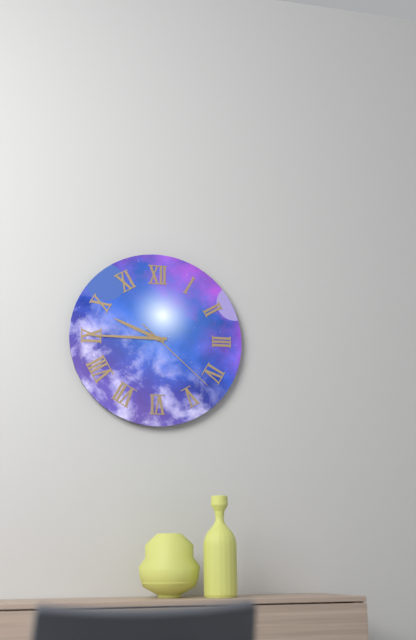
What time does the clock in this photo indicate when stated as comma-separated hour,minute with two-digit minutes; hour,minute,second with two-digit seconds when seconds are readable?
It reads 9,45,22
